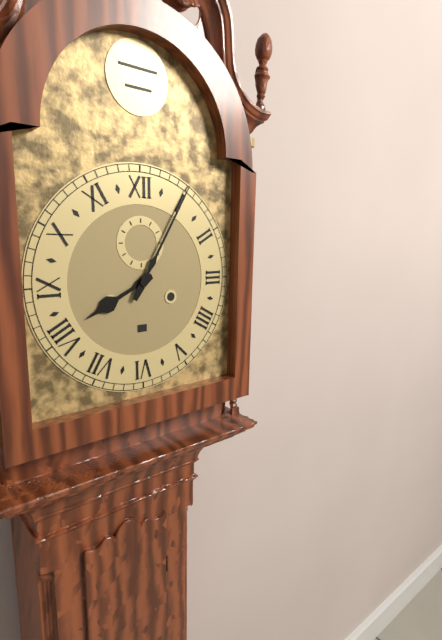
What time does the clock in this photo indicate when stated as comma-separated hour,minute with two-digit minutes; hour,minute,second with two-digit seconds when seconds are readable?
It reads 8,05
